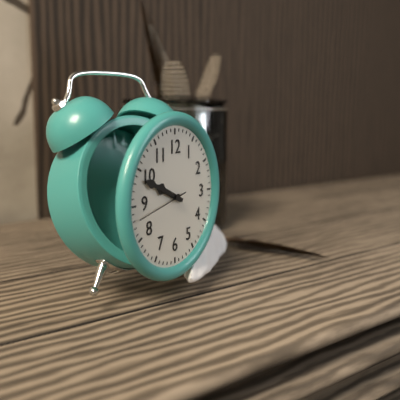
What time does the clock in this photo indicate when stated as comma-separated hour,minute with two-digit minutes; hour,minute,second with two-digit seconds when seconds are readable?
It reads 9,49,43
